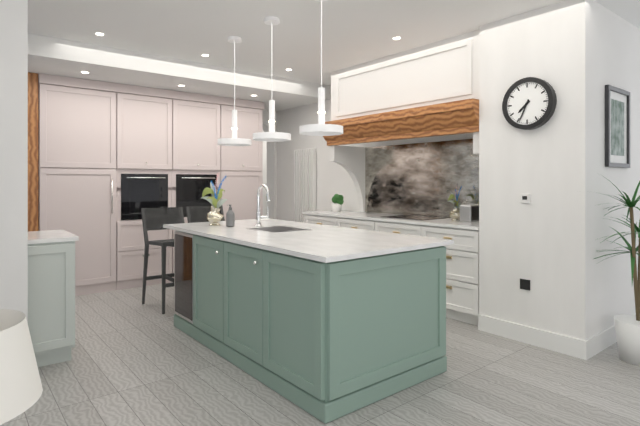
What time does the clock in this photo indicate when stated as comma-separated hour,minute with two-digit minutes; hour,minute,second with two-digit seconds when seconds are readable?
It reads 7,34
